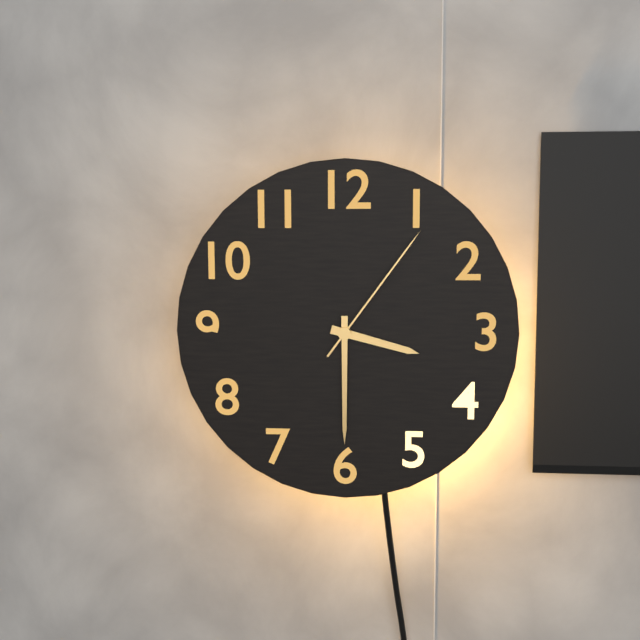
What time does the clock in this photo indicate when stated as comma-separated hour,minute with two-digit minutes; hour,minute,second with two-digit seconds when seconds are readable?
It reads 3,30,06
